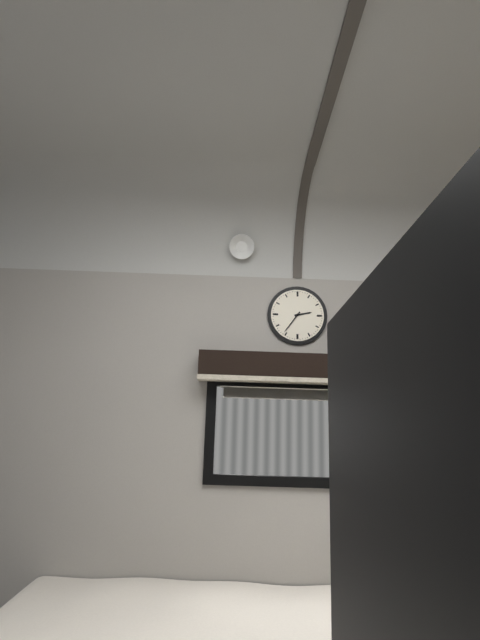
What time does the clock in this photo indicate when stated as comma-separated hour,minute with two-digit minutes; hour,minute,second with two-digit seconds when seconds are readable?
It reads 2,36
